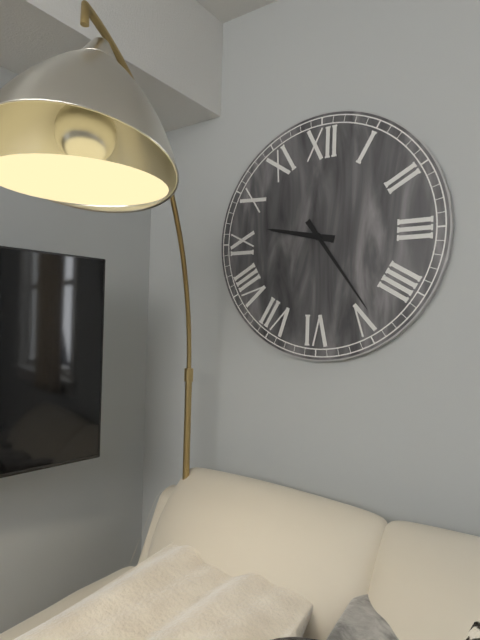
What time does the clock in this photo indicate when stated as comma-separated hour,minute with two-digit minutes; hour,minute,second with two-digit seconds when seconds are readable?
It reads 9,24
